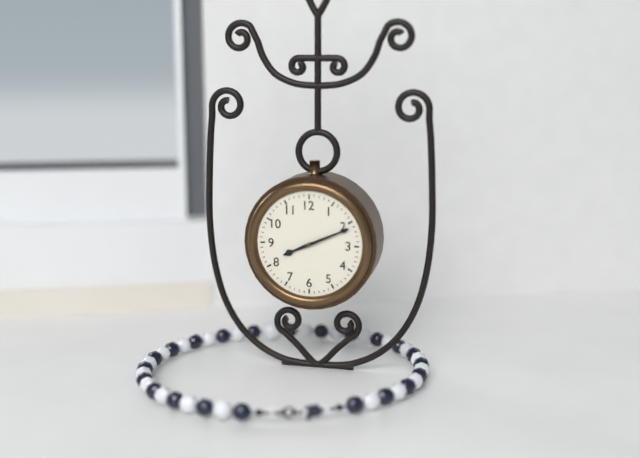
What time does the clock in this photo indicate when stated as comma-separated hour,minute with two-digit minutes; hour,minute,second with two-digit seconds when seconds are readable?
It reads 8,11
